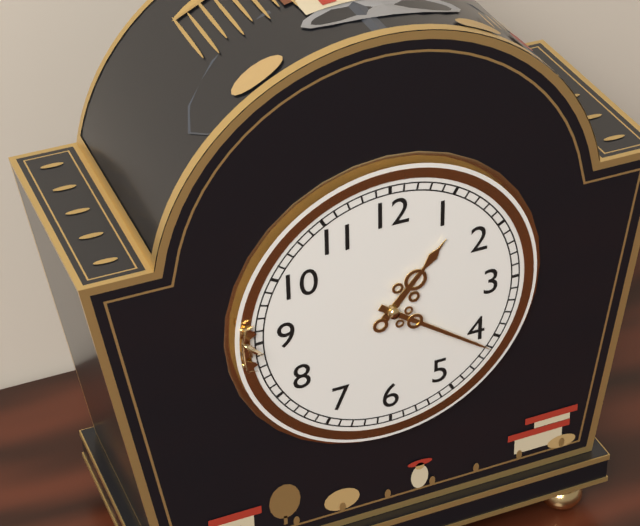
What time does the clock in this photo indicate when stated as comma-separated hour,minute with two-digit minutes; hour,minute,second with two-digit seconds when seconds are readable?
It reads 1,21
